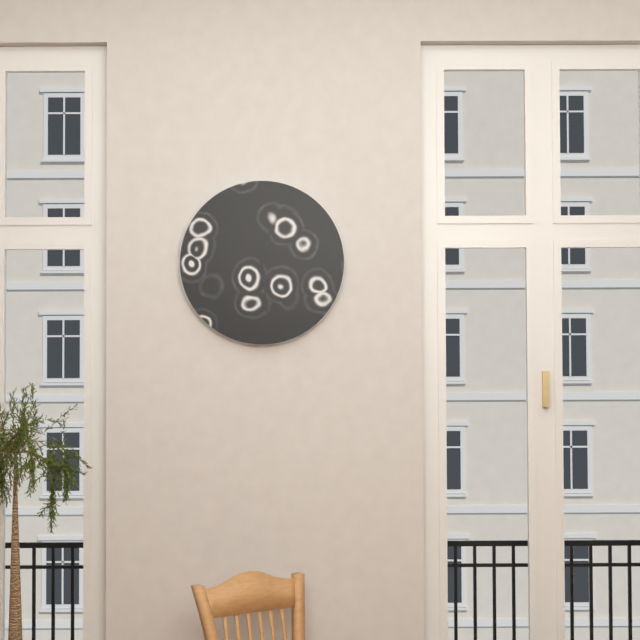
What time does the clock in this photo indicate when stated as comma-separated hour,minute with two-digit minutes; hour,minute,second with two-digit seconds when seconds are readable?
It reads 12,29
